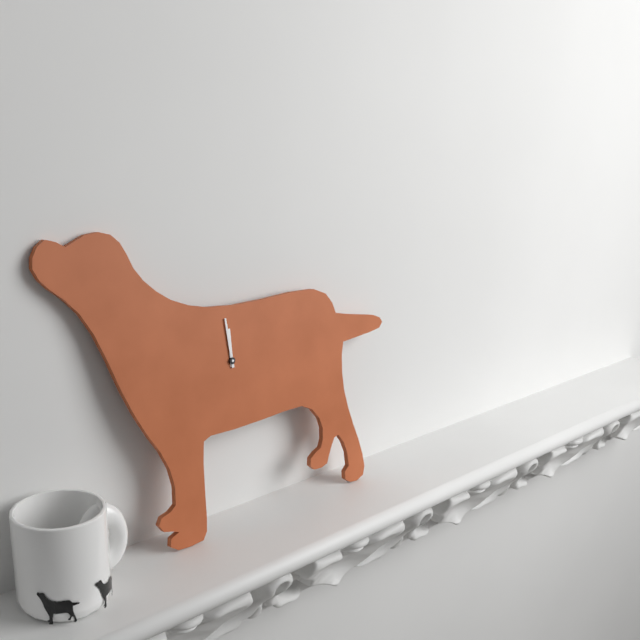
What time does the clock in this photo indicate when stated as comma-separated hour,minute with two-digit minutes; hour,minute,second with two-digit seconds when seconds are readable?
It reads 11,59
